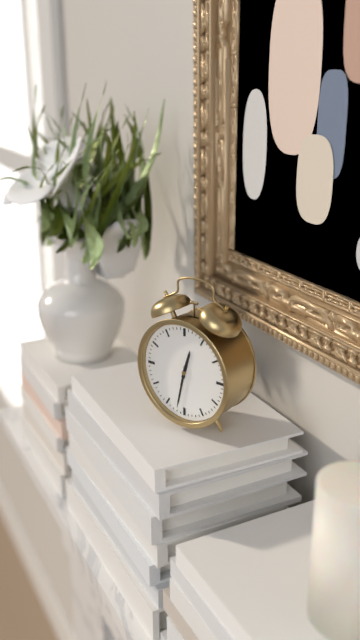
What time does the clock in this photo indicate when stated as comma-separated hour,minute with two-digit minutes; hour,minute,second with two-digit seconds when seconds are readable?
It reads 12,32
